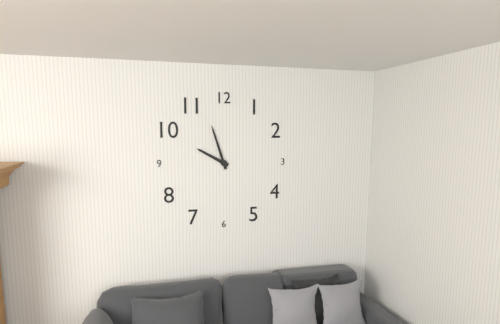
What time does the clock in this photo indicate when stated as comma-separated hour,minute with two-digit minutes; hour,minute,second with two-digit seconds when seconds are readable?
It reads 9,57
